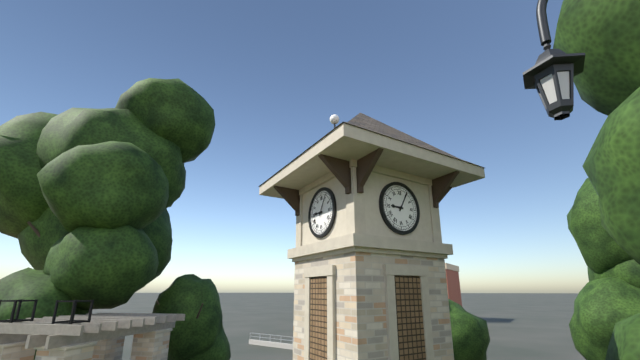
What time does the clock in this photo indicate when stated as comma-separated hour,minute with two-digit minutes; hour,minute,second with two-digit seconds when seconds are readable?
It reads 9,05
